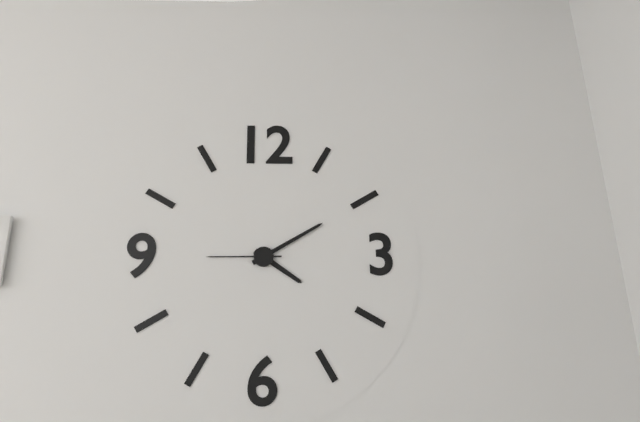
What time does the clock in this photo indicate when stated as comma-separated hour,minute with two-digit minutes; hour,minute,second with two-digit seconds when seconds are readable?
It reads 4,10,45
